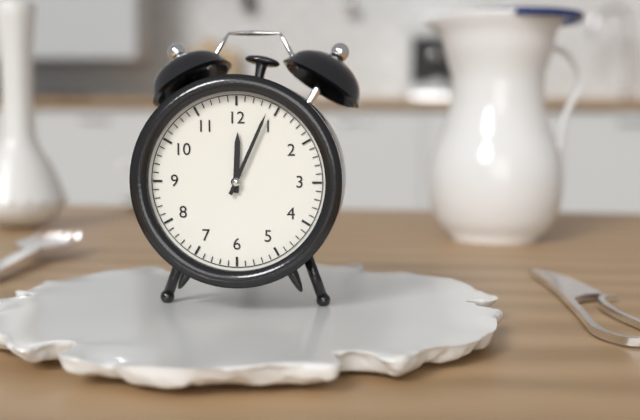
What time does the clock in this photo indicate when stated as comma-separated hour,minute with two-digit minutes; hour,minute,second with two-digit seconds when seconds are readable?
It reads 12,04
